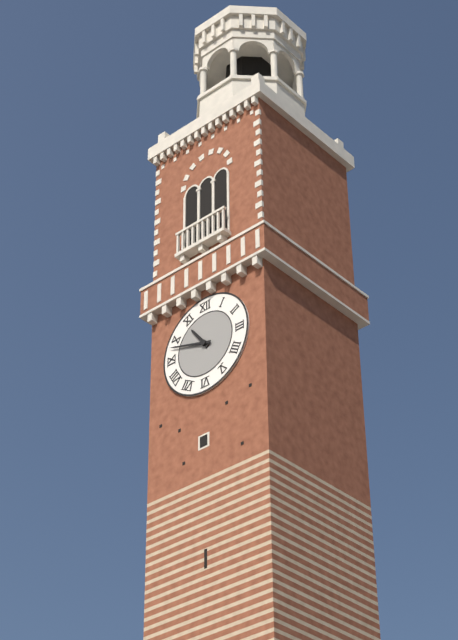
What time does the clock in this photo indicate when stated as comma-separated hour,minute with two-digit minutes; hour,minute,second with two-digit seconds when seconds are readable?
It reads 10,48
